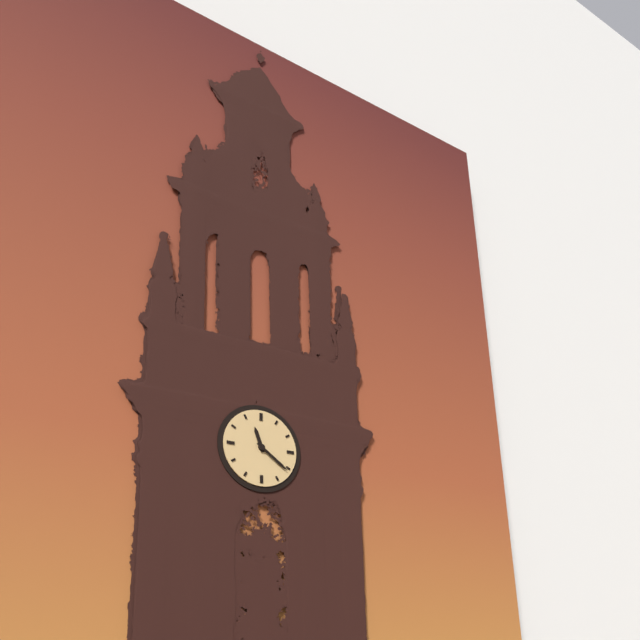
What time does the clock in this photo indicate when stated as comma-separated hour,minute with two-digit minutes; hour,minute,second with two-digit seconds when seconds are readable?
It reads 11,21
